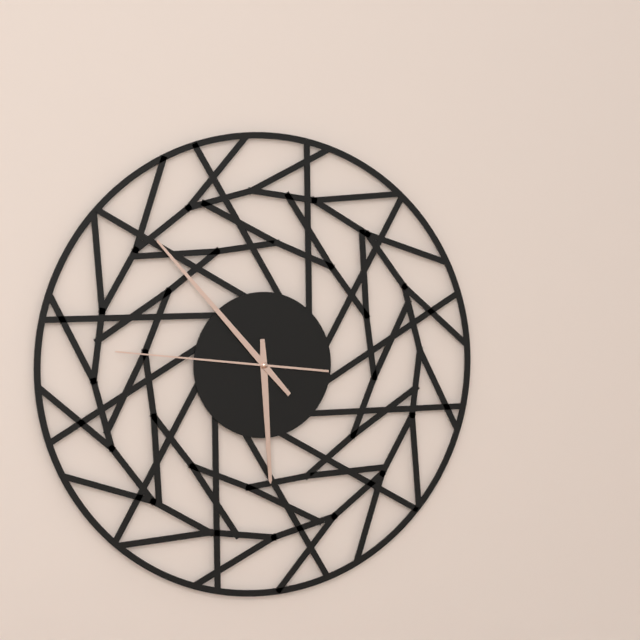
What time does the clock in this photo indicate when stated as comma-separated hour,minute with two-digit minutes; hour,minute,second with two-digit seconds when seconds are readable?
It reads 5,53,46
